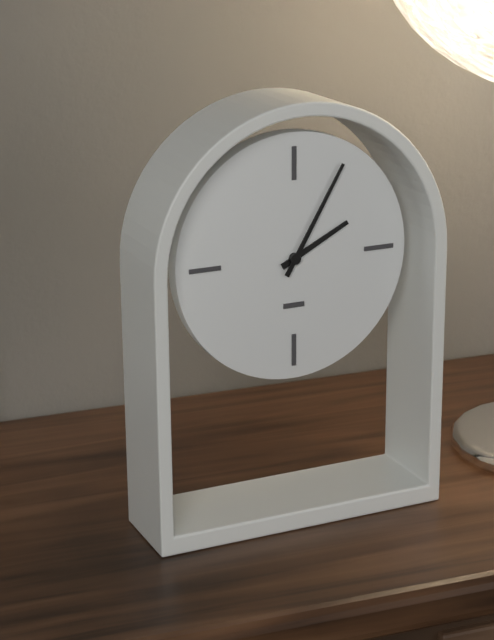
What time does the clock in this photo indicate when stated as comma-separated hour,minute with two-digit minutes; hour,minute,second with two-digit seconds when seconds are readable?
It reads 2,05
